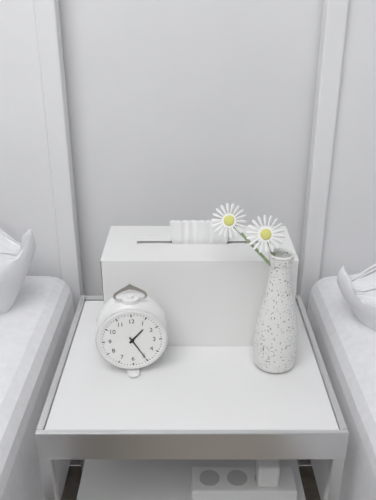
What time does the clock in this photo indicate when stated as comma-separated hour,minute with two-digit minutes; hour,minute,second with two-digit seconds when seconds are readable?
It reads 1,25
